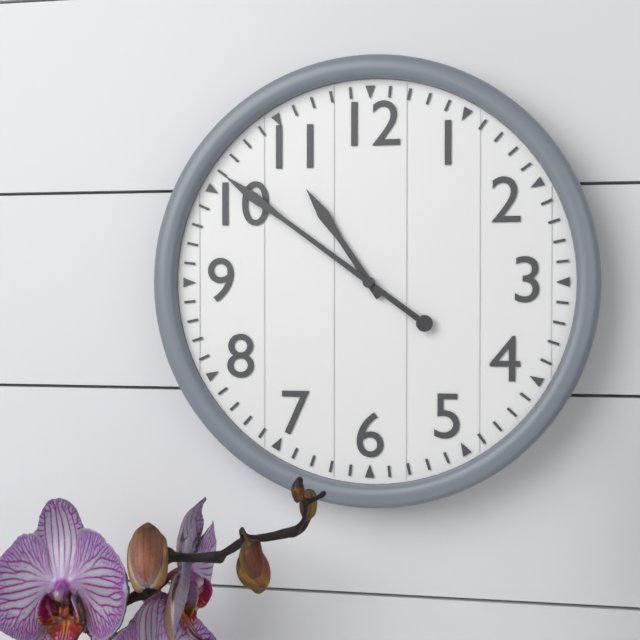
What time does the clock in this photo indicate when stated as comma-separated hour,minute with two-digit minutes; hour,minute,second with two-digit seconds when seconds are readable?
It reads 10,51
